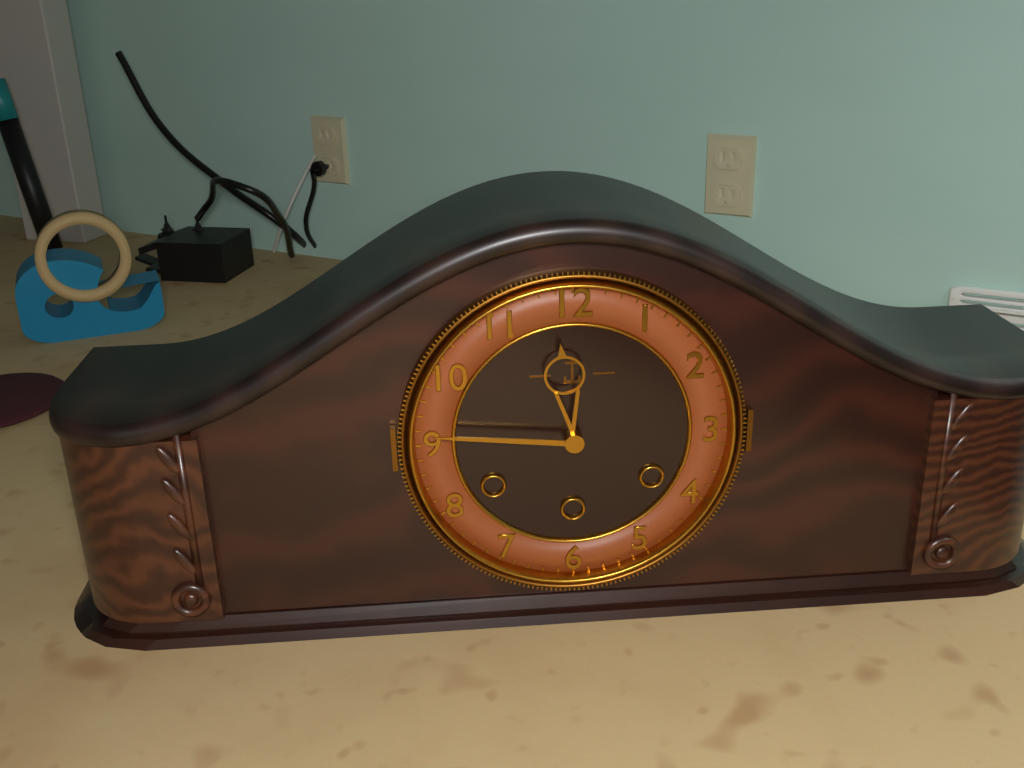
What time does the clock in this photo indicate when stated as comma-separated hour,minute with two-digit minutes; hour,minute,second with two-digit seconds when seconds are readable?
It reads 11,46
